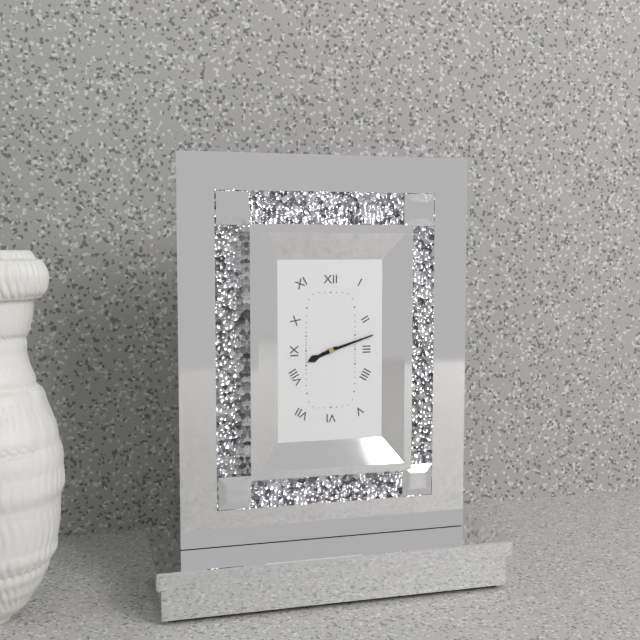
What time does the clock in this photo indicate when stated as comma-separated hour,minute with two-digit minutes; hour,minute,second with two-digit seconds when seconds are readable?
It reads 8,12
